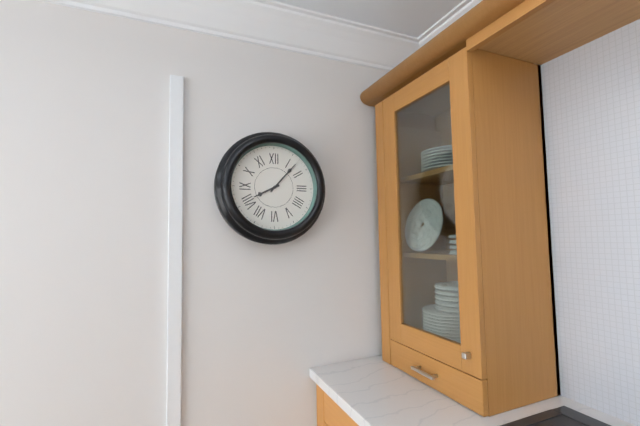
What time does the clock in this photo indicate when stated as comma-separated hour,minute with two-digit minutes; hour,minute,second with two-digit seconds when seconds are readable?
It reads 8,07
